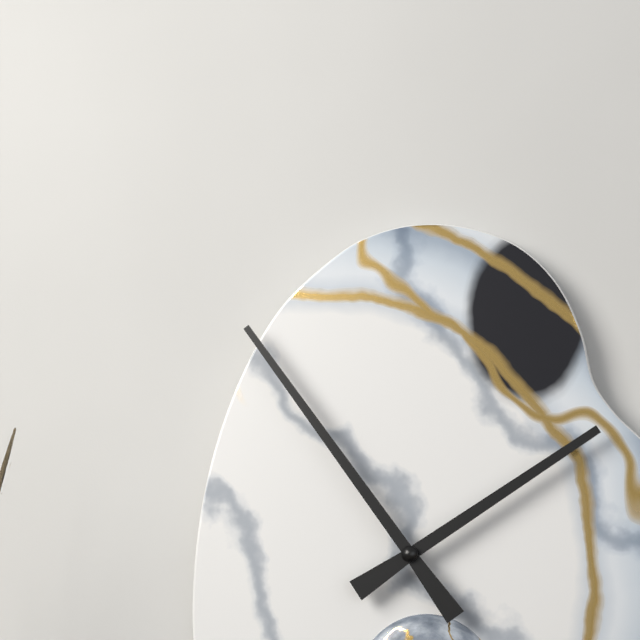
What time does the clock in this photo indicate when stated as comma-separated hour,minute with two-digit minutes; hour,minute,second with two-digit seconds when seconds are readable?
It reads 1,54
